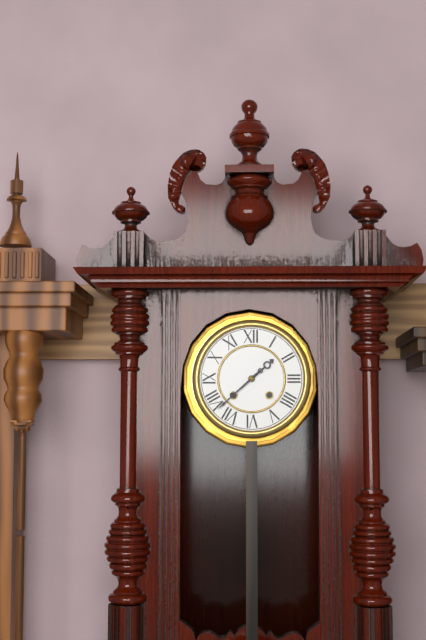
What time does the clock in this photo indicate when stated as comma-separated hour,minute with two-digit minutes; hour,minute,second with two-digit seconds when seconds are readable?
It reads 1,38
